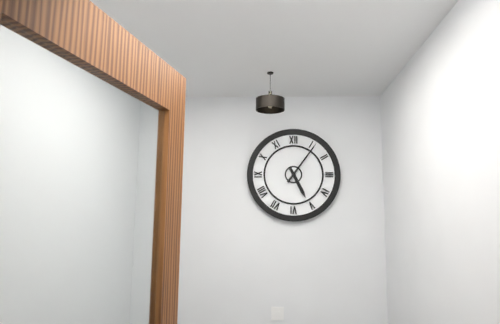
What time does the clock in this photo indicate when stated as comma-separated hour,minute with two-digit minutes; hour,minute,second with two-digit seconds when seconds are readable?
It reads 5,06
